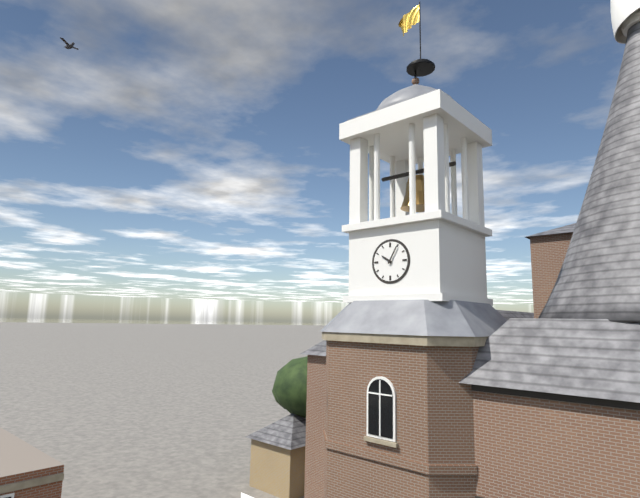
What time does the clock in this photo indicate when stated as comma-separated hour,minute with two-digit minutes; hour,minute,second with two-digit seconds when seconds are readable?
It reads 10,05
